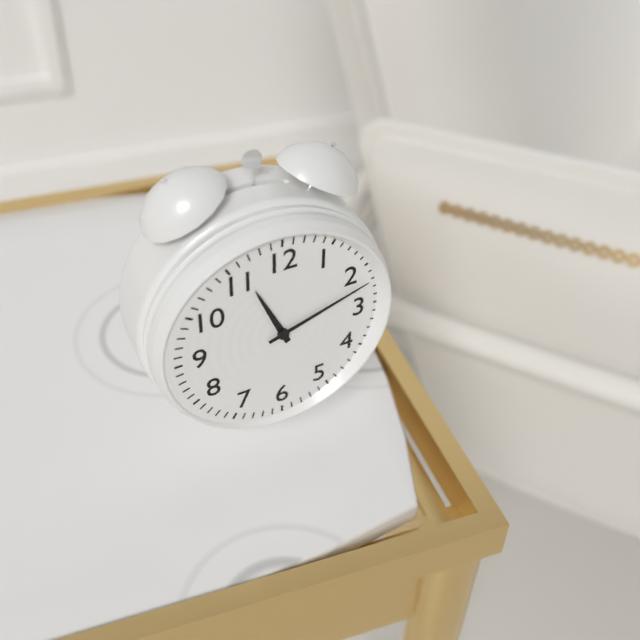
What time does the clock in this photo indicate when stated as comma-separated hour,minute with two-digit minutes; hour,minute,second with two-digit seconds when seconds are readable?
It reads 11,12
